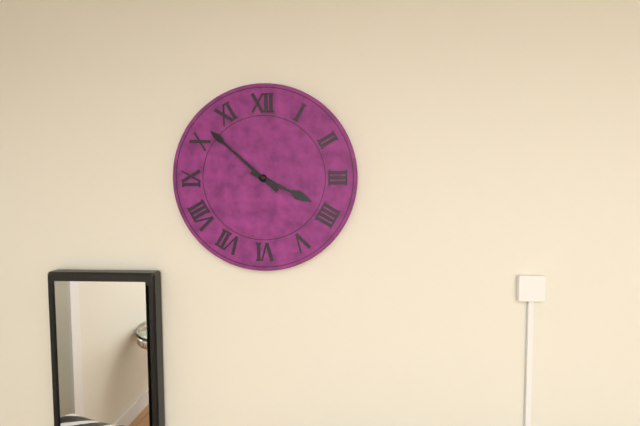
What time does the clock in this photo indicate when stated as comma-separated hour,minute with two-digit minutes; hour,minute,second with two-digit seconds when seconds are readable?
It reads 3,52
